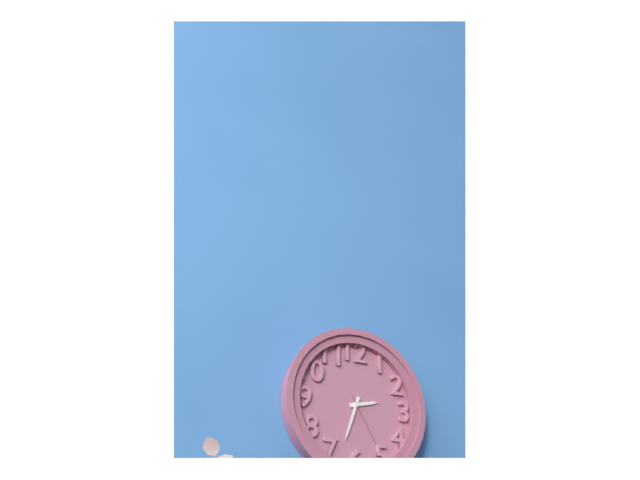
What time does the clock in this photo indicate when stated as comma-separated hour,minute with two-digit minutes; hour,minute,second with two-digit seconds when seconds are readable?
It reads 2,33,25
